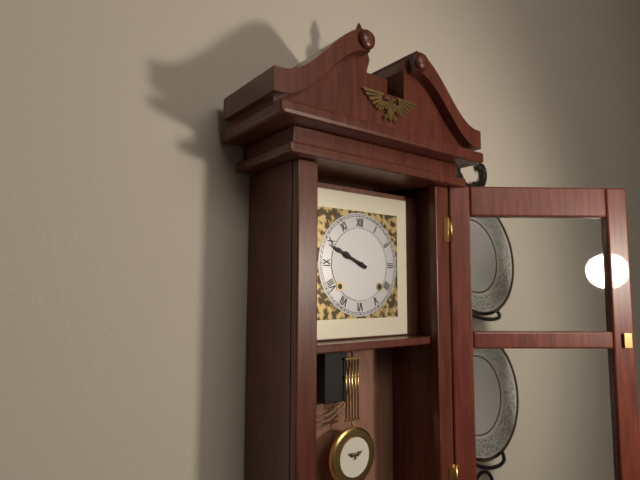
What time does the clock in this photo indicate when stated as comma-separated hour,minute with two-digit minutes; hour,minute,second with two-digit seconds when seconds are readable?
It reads 9,49
